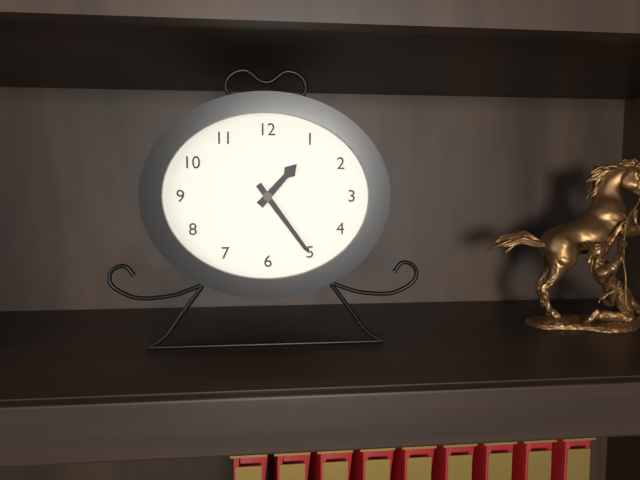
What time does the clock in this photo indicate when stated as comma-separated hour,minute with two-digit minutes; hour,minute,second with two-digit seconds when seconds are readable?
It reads 1,24
